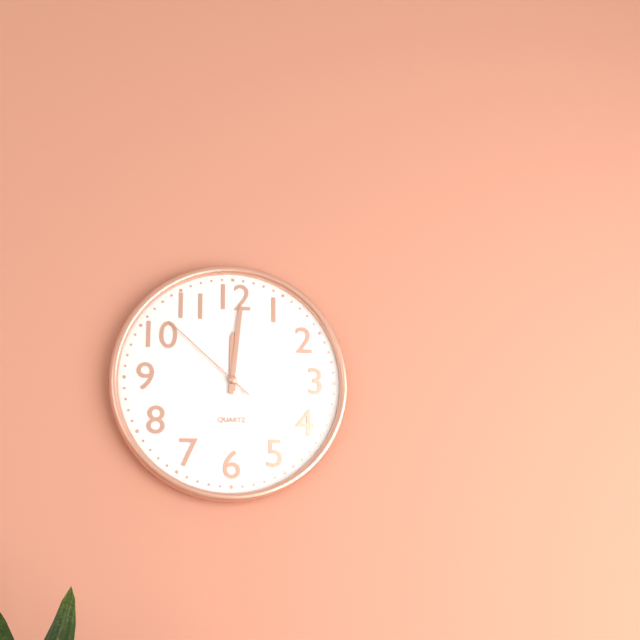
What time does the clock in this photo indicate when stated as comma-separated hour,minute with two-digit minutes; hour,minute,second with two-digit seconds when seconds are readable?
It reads 12,01,52
